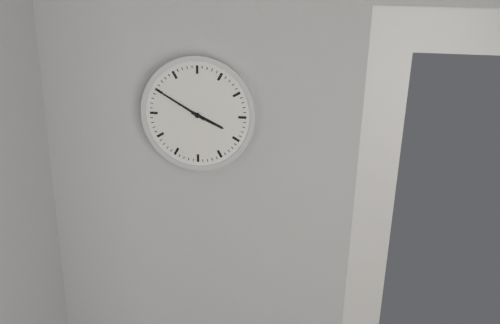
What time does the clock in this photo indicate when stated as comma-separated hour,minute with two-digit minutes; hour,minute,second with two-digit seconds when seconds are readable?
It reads 3,50
